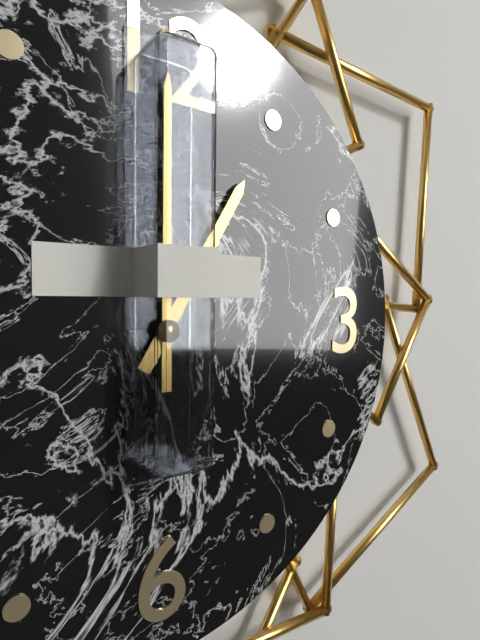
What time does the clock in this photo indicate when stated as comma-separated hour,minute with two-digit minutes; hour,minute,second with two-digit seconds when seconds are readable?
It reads 1,00
